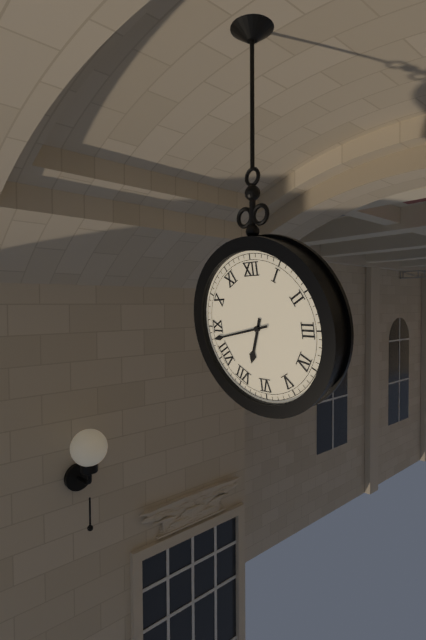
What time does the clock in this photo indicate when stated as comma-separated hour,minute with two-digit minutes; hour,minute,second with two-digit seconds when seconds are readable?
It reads 6,43
